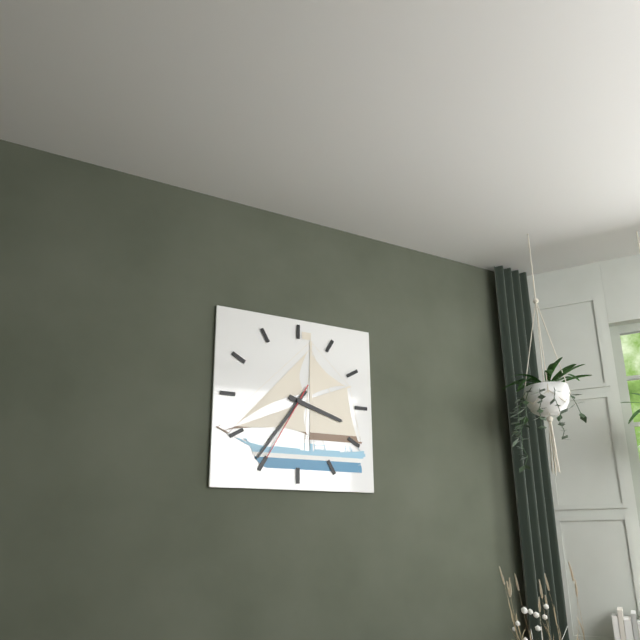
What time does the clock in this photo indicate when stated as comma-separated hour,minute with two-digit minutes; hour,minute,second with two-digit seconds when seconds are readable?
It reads 3,36,35
